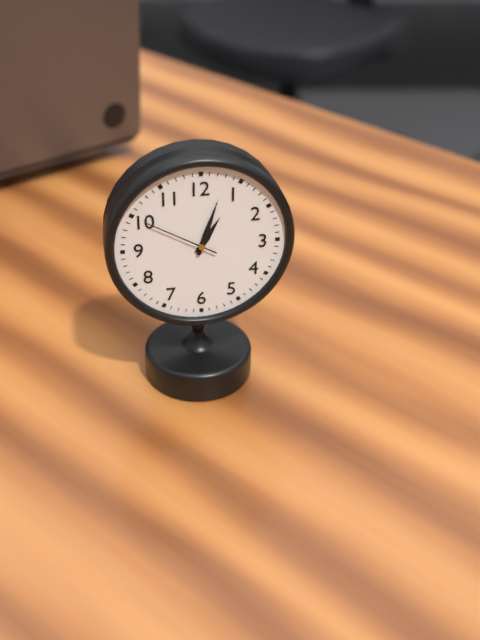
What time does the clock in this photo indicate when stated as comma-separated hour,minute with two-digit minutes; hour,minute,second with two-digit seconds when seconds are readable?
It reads 1,03,50
